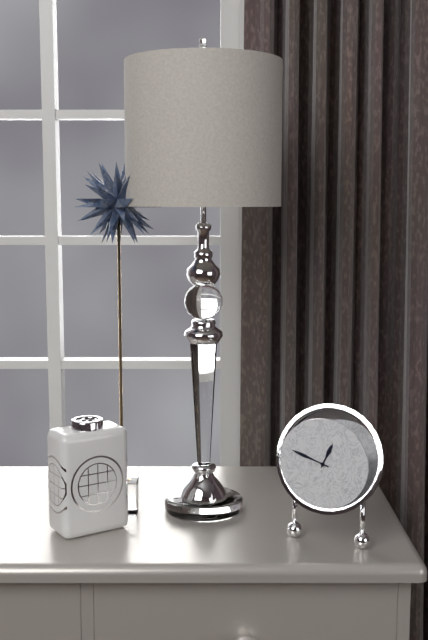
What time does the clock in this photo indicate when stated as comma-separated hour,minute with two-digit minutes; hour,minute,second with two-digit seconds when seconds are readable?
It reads 12,48
